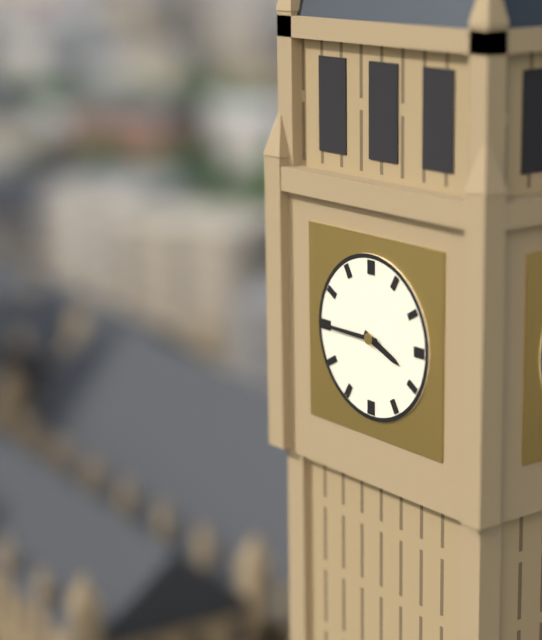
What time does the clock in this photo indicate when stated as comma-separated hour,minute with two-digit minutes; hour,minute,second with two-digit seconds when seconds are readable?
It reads 3,45
